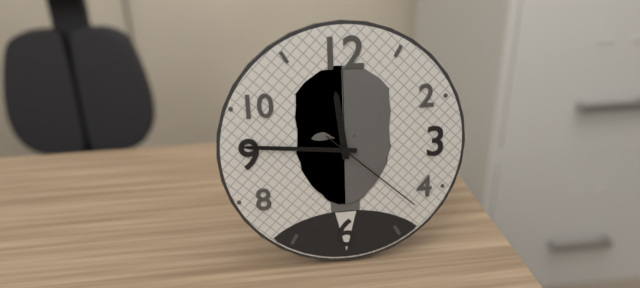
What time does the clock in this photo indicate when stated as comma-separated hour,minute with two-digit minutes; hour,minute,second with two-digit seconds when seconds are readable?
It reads 11,46,22
